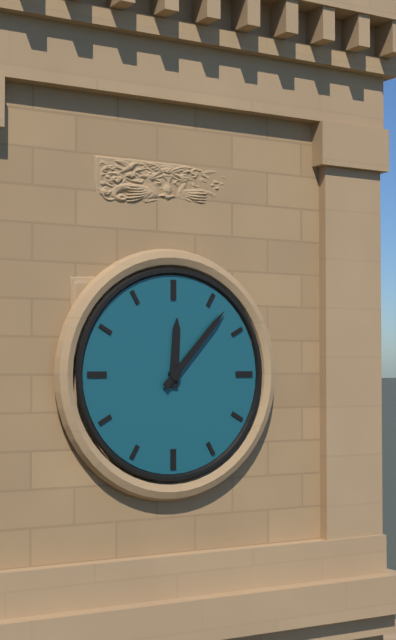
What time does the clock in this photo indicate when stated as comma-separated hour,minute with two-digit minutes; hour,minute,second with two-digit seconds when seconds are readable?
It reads 12,07
